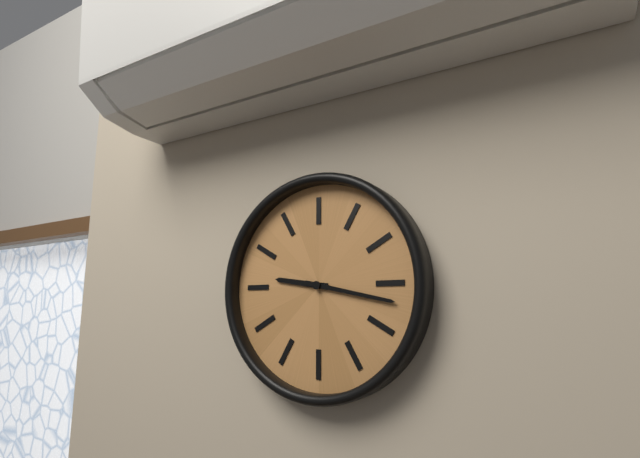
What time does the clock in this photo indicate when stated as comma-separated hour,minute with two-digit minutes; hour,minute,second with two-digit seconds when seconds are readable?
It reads 9,17
